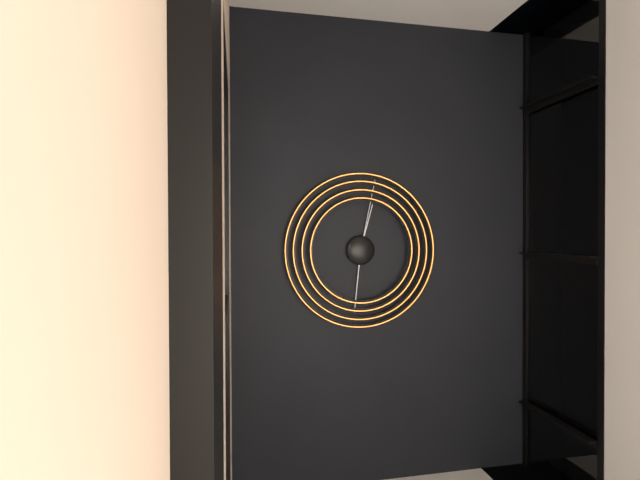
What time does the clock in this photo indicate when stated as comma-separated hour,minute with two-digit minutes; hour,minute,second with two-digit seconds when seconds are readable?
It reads 12,31,02
